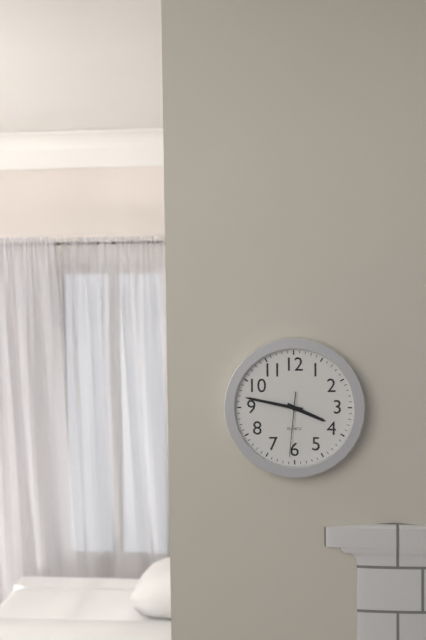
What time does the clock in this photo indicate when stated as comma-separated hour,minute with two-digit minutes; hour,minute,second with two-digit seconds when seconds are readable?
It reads 3,47,31
